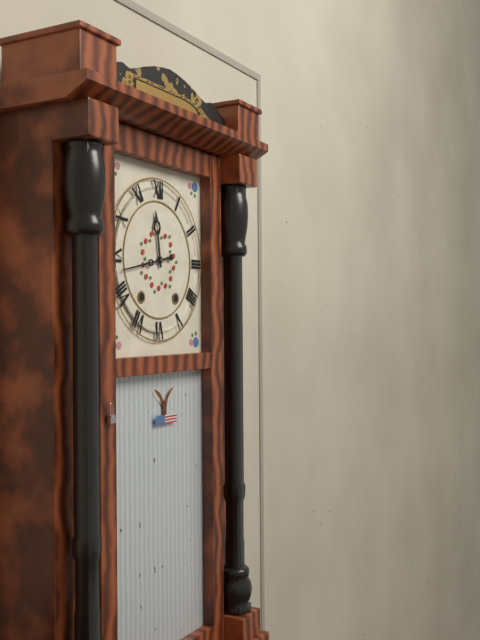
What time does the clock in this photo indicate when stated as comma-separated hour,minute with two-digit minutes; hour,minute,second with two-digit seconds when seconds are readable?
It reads 11,43
